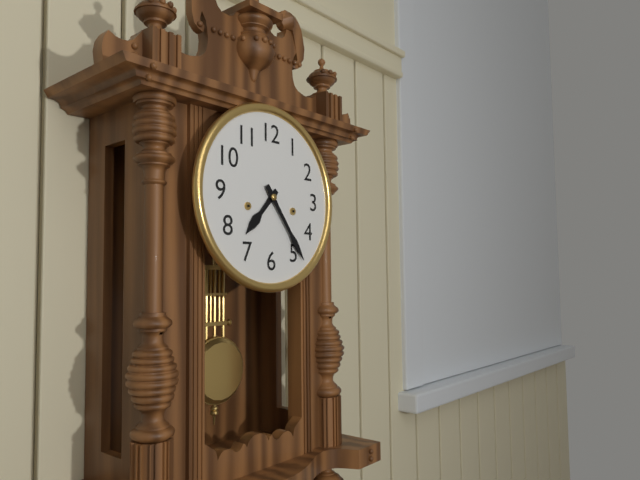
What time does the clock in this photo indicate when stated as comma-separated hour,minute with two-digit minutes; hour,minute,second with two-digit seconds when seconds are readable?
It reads 7,24
